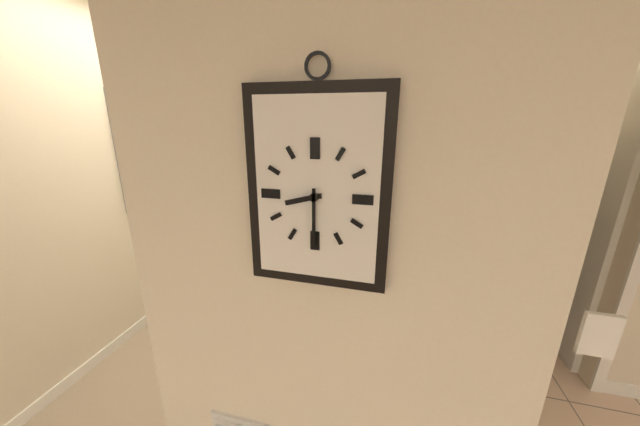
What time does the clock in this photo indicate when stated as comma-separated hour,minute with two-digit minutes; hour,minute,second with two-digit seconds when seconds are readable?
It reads 8,30
